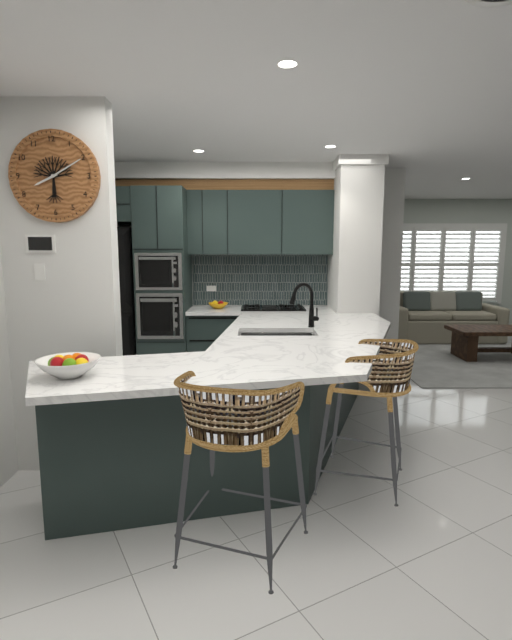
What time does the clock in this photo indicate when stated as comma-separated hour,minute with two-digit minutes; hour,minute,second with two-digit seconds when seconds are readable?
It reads 8,10
